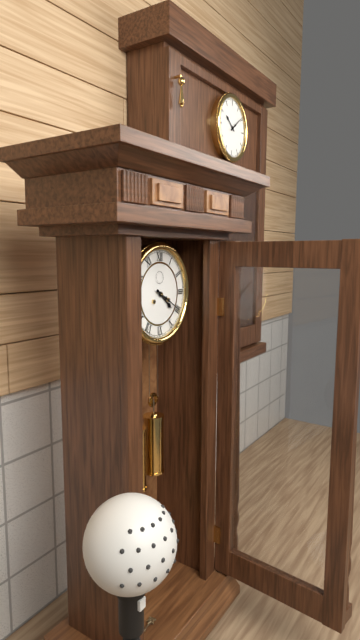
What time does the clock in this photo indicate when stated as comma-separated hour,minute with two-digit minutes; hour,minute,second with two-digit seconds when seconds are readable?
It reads 4,20
